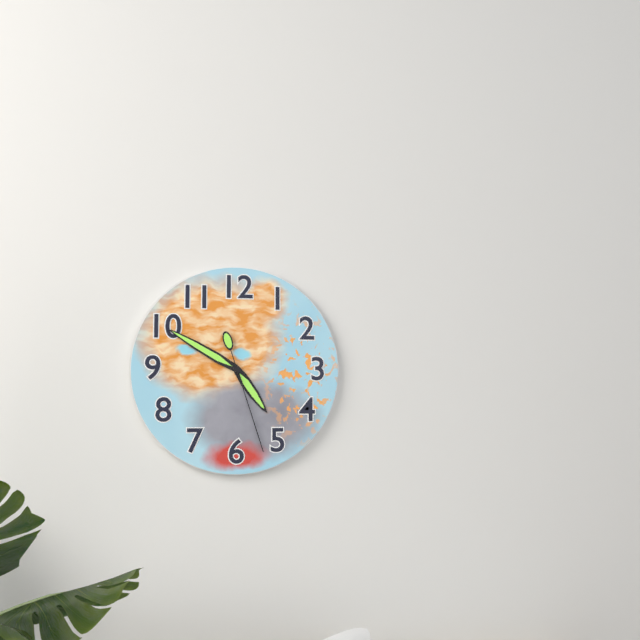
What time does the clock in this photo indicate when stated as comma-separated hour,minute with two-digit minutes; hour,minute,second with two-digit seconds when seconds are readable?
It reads 4,50,27
